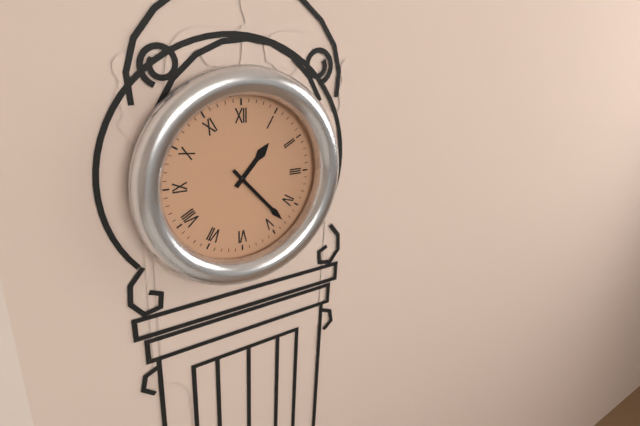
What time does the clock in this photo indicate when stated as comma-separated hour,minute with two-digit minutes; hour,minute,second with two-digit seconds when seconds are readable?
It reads 1,23
